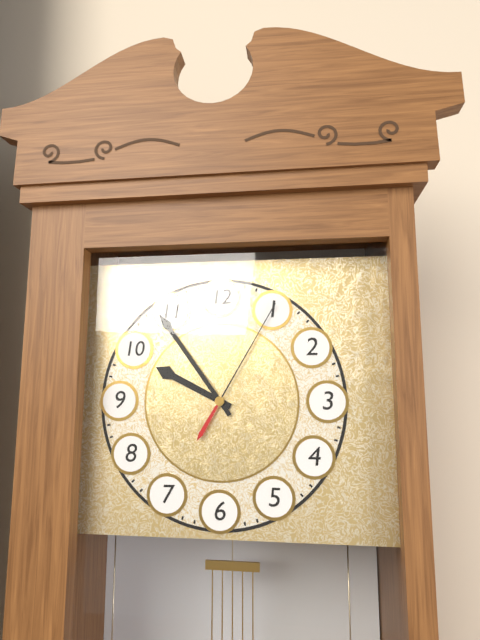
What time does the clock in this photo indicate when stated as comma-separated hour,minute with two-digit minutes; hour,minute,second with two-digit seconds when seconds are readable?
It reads 9,54,05
